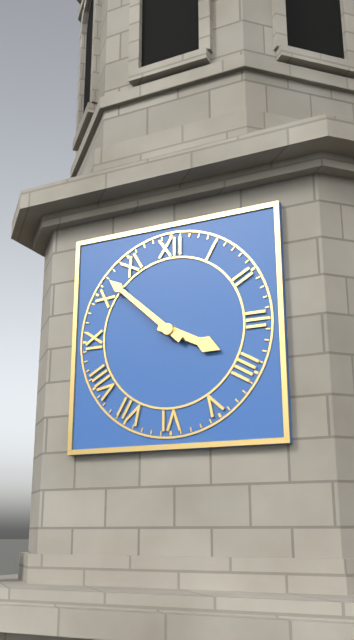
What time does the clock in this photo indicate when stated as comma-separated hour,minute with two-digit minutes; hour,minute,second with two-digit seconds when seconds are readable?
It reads 3,52
